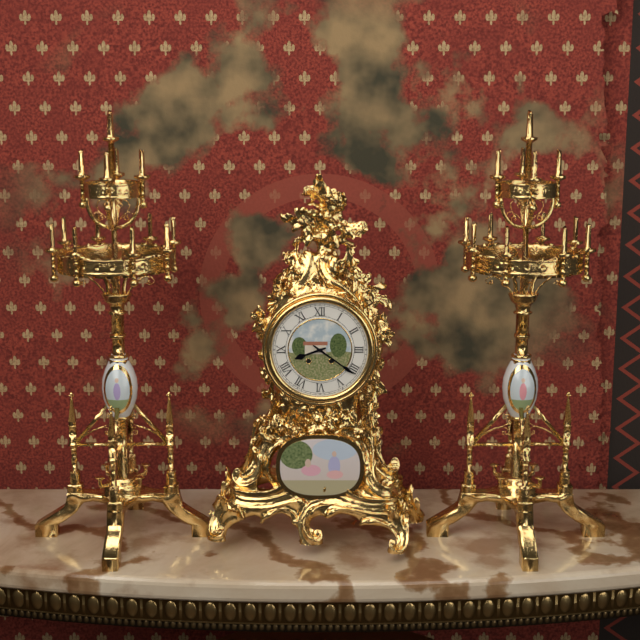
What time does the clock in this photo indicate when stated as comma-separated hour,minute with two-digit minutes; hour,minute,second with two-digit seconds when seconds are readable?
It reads 8,21
